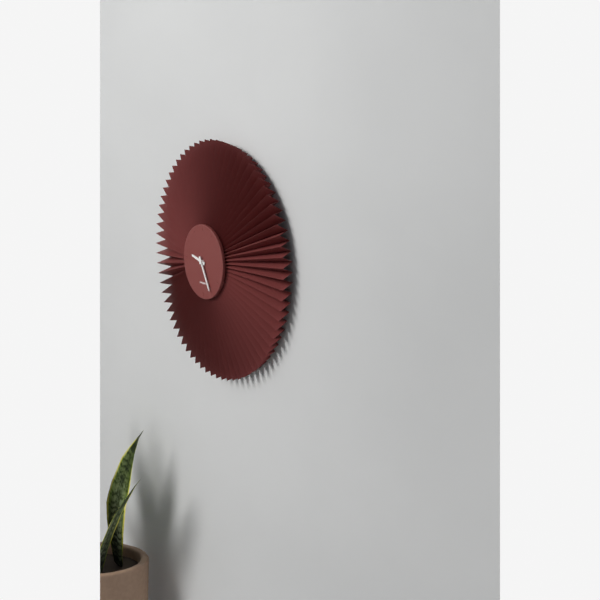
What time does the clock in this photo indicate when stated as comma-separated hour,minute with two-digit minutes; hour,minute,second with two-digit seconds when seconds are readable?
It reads 9,25
